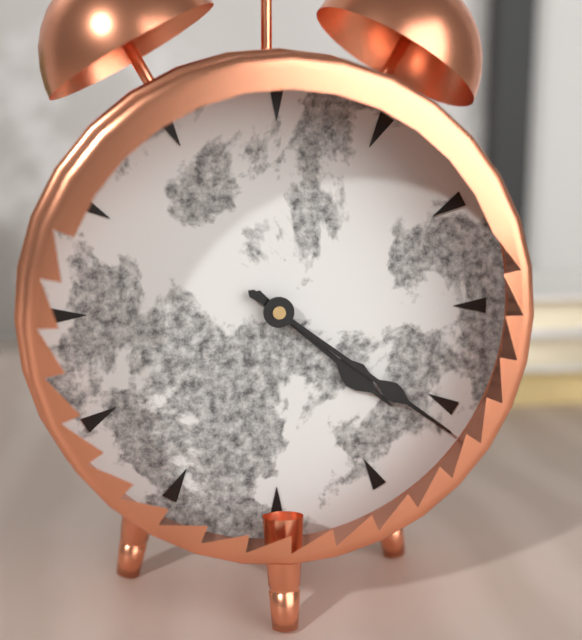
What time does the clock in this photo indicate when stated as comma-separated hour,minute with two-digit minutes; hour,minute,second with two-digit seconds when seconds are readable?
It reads 4,21
